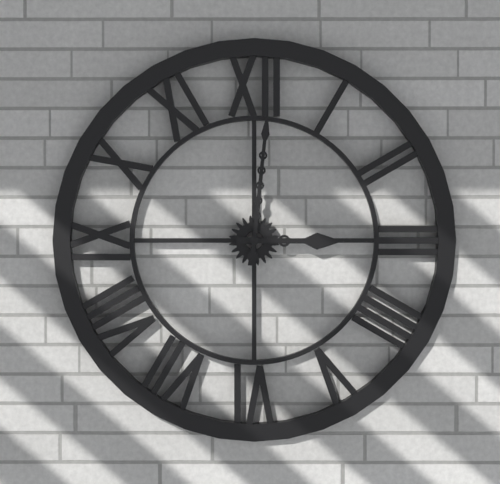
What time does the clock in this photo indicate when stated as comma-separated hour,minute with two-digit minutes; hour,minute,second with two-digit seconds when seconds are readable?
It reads 3,01
